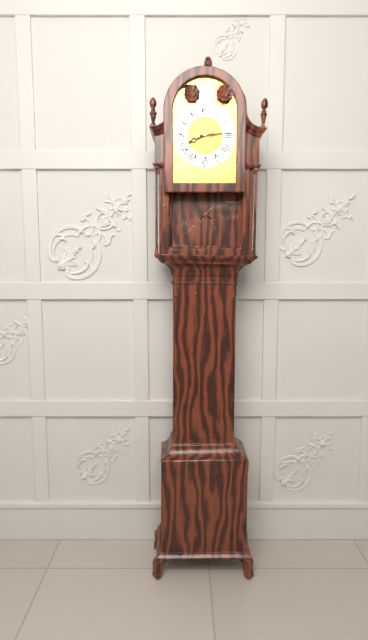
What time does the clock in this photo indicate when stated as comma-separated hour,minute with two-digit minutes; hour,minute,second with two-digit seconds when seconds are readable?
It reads 8,14
